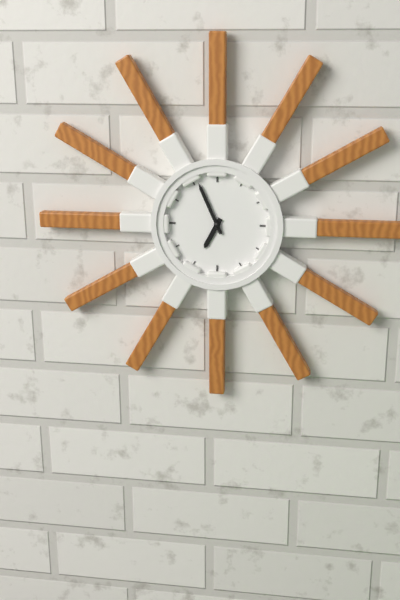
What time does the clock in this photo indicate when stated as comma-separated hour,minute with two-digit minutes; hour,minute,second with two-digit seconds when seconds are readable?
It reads 6,56
